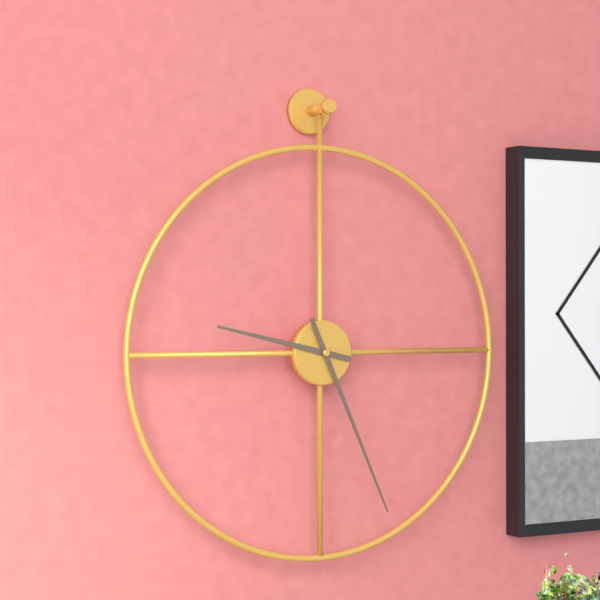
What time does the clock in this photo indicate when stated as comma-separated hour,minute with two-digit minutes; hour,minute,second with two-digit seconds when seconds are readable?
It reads 9,26
